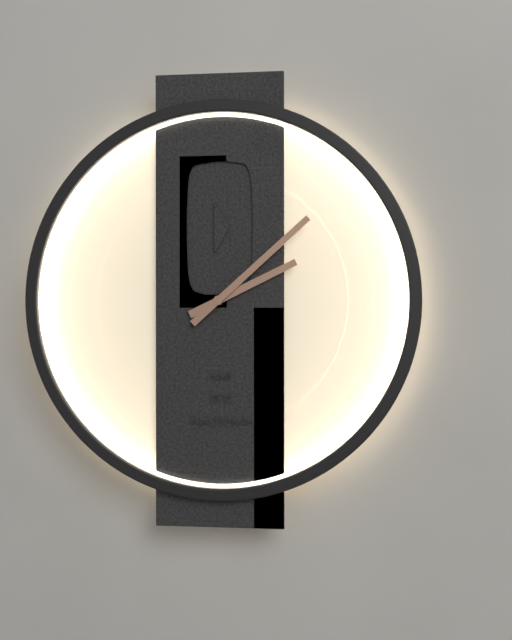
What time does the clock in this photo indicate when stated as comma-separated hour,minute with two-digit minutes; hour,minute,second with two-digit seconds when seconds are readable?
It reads 2,08
